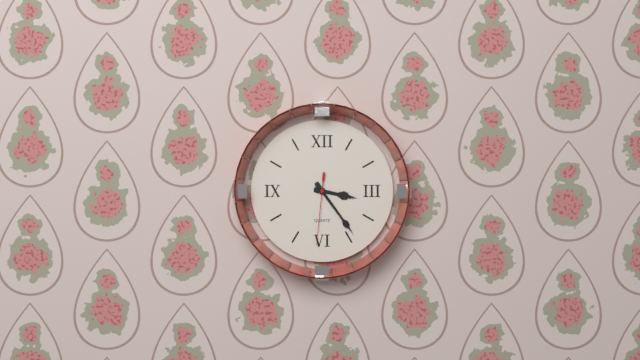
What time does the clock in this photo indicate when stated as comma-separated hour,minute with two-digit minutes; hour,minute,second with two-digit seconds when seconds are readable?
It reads 3,24,31
